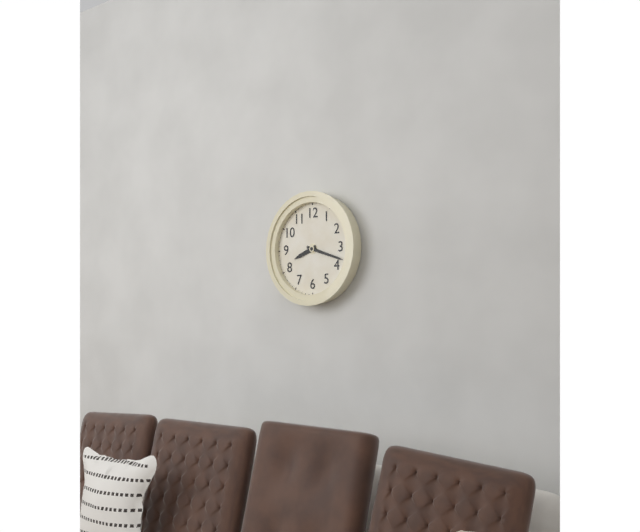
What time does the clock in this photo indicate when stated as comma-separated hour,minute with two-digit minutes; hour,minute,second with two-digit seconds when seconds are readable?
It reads 8,18
